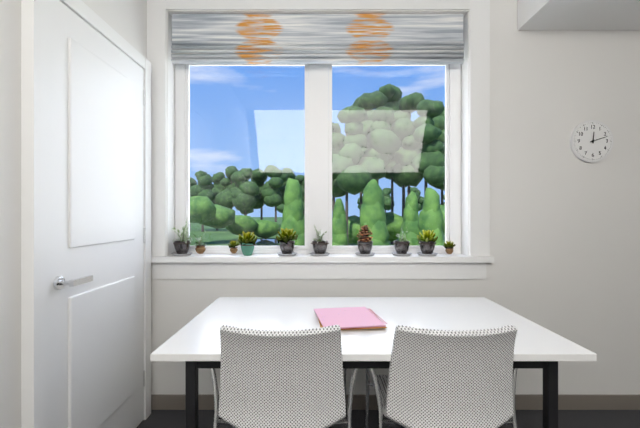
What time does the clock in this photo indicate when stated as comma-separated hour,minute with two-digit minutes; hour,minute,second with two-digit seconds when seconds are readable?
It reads 12,12
